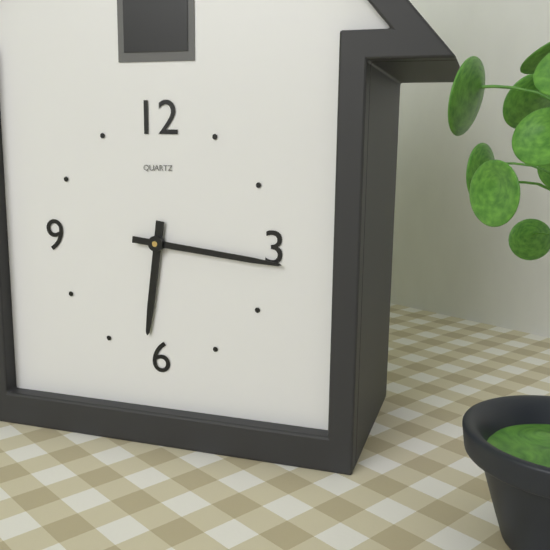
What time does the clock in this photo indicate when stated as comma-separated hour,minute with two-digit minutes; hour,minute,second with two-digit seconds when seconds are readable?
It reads 6,16
